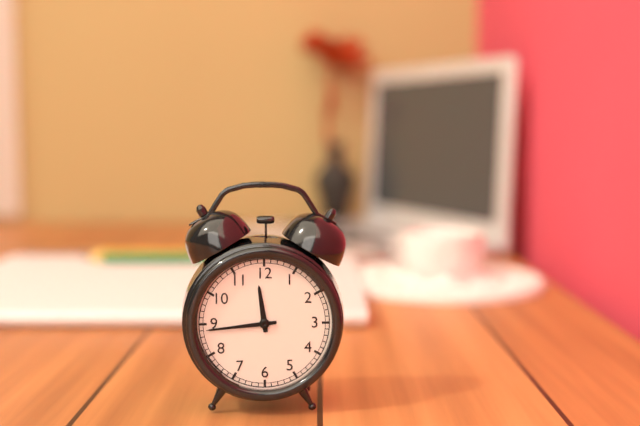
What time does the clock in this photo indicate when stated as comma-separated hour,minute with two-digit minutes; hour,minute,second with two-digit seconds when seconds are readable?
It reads 11,44
